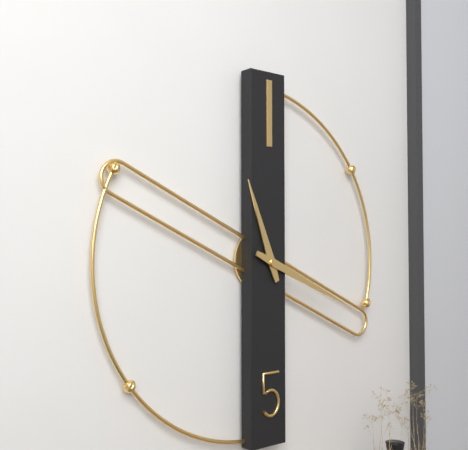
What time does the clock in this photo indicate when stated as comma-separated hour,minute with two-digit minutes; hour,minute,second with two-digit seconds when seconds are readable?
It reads 11,19
